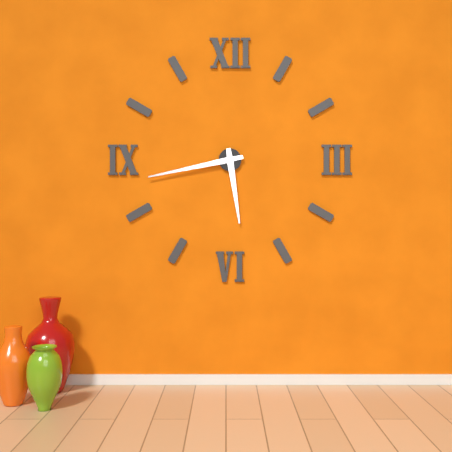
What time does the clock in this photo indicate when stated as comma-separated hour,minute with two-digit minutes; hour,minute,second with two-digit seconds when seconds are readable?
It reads 5,43
